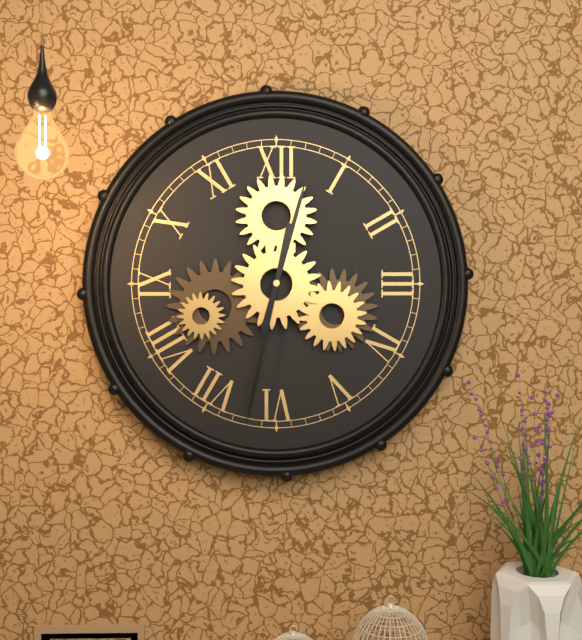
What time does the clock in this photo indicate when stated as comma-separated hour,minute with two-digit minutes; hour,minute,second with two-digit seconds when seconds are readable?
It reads 12,32
